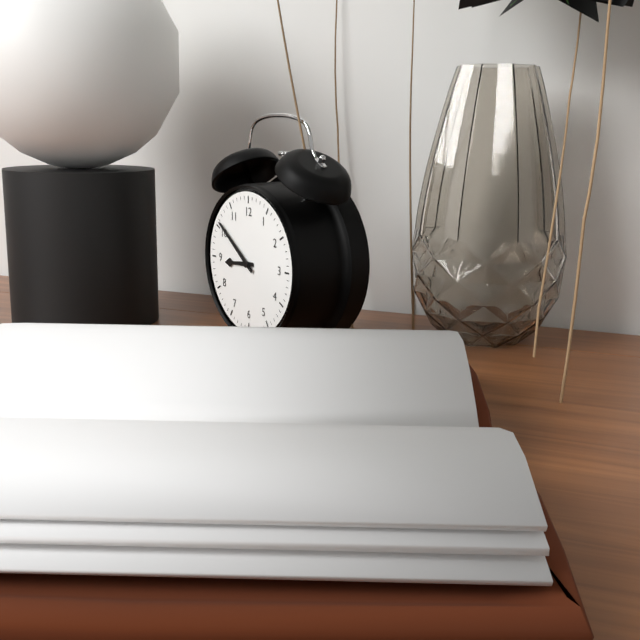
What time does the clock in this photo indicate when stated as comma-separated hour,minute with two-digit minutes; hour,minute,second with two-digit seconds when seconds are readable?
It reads 8,51
